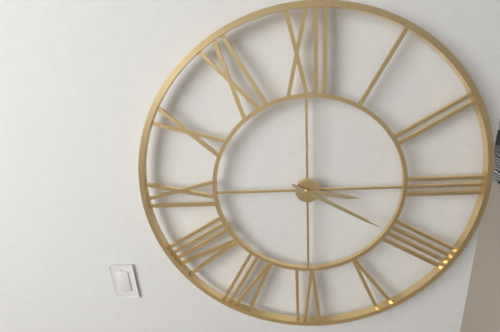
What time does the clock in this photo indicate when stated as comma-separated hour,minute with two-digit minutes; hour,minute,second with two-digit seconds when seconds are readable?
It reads 3,20
